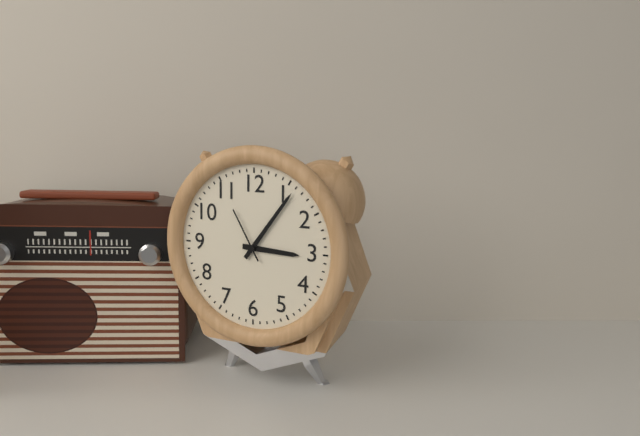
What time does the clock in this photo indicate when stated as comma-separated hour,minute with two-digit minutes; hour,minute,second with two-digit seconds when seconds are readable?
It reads 3,06,55
